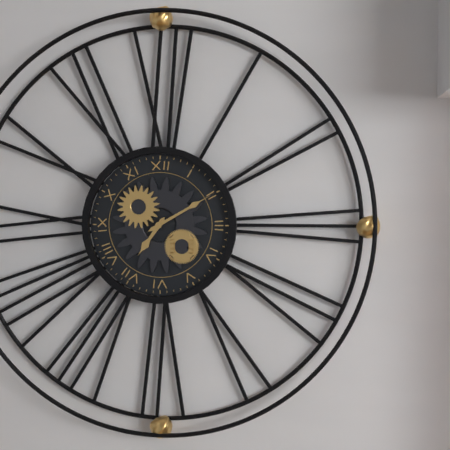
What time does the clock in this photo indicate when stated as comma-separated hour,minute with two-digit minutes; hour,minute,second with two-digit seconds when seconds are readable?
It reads 7,10
